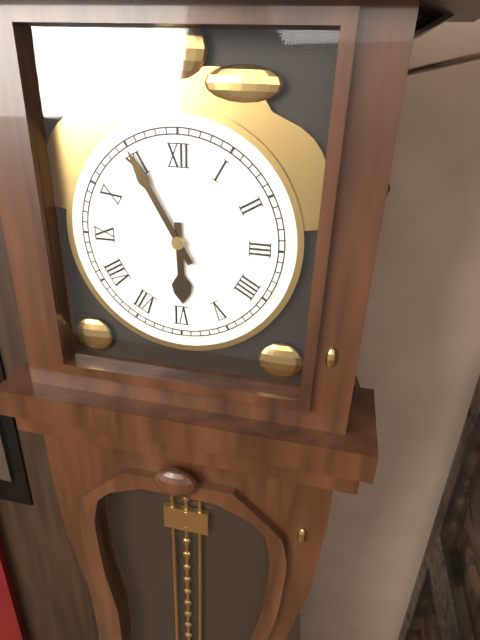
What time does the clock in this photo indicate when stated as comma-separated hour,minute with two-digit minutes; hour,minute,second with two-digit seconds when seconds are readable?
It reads 5,55
